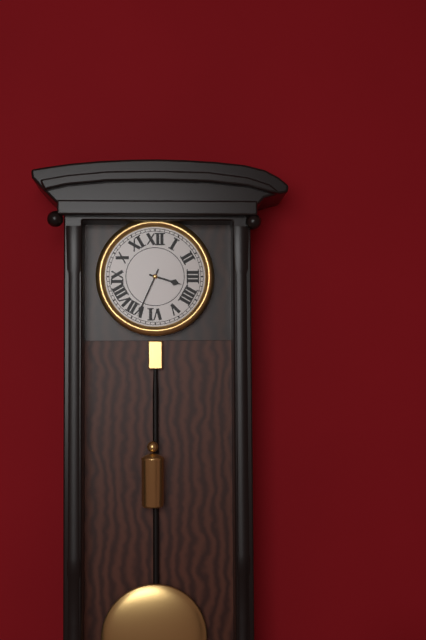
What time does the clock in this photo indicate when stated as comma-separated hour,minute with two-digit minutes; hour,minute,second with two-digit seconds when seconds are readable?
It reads 3,34
